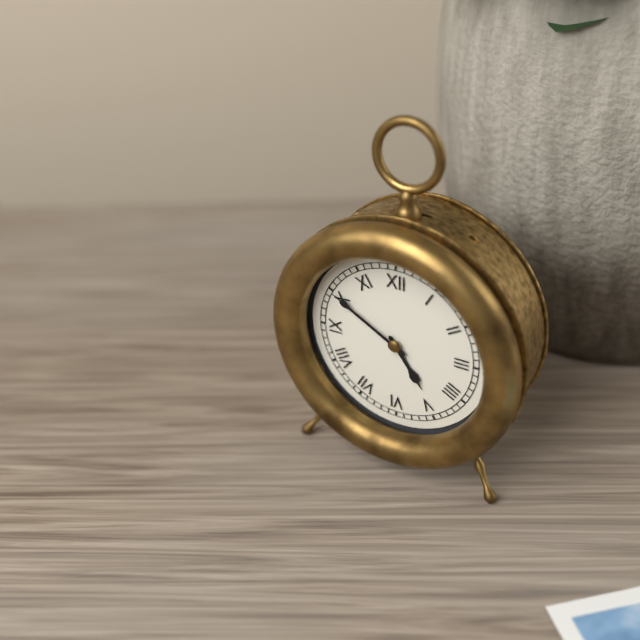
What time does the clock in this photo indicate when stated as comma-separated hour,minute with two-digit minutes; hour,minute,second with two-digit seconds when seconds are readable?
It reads 4,50
